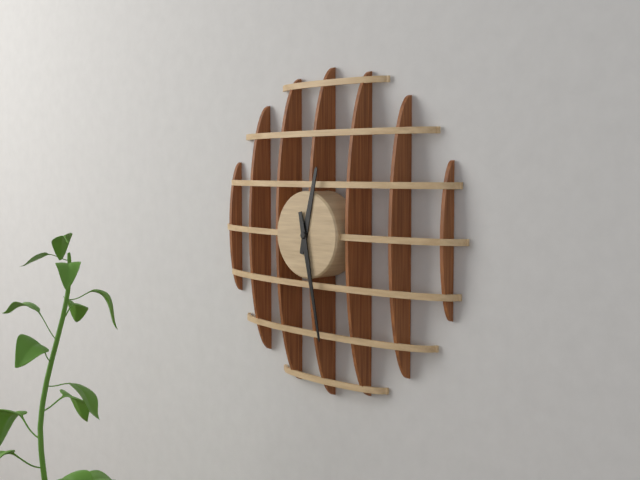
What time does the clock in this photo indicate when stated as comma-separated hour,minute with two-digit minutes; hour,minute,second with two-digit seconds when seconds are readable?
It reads 12,28
